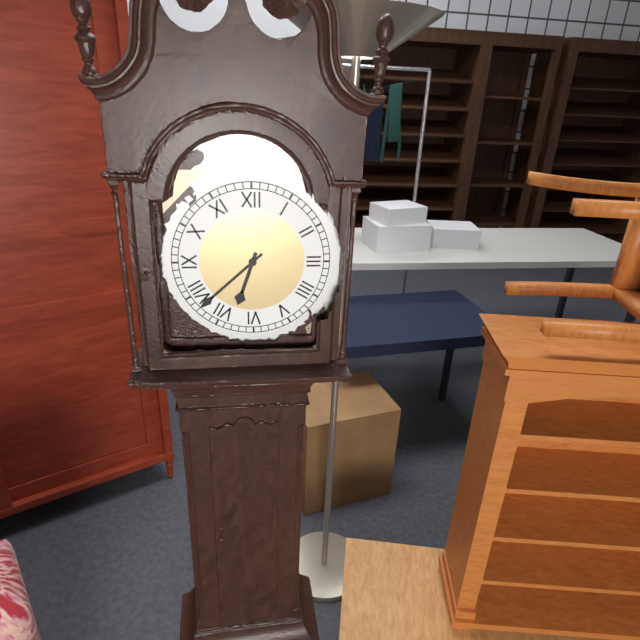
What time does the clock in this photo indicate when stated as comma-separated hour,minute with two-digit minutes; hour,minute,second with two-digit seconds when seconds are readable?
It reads 6,38
